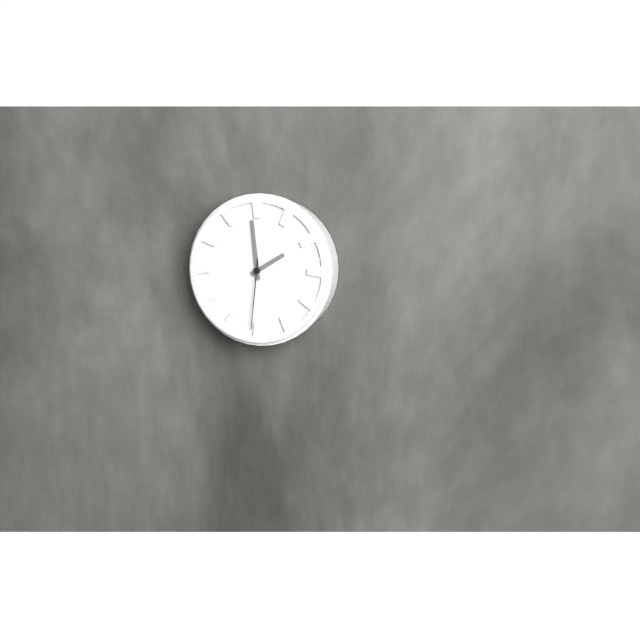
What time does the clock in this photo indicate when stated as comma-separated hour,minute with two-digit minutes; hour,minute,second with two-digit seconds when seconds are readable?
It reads 1,59,31
